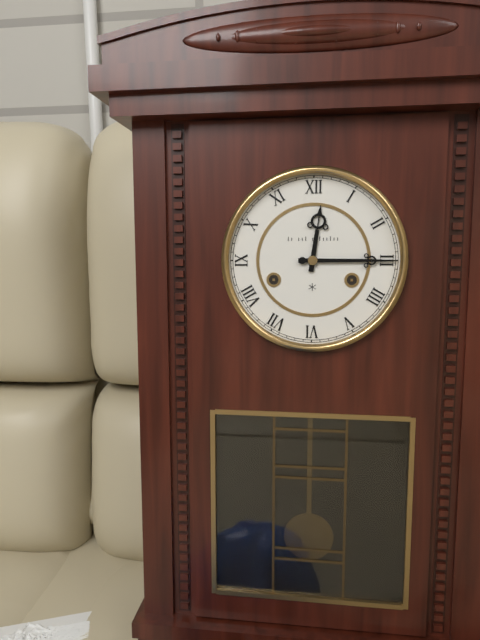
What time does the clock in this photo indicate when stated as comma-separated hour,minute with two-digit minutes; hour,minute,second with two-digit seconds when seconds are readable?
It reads 12,15
